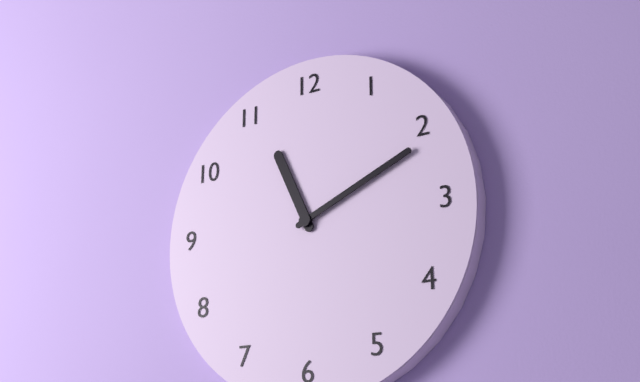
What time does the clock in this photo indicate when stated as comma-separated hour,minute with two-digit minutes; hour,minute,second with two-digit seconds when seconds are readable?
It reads 11,11
